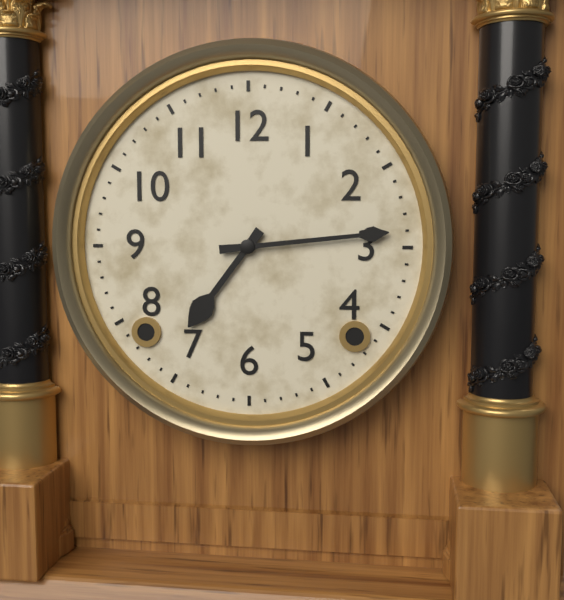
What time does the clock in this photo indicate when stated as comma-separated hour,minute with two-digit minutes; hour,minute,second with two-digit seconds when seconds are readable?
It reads 7,14
